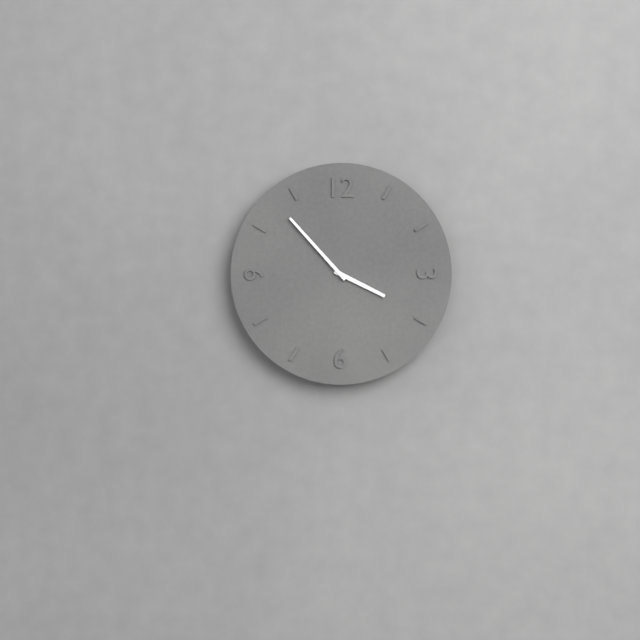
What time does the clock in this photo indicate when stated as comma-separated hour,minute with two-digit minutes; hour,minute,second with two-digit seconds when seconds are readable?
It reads 3,53
